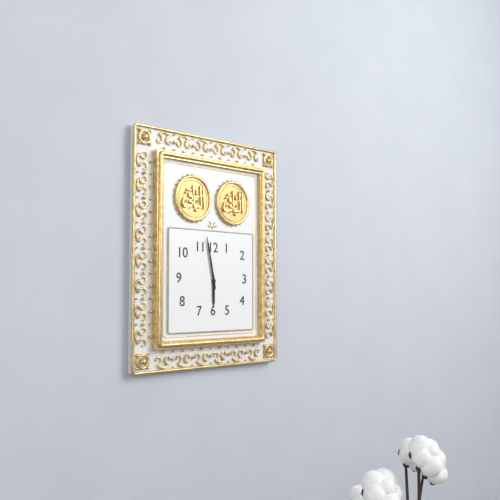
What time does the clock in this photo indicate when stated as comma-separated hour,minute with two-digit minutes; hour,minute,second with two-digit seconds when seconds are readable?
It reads 5,58
